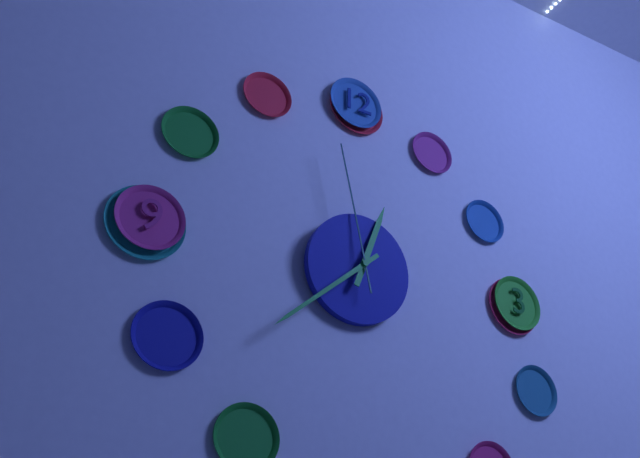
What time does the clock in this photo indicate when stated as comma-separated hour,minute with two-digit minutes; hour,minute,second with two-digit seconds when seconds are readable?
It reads 12,38,58
